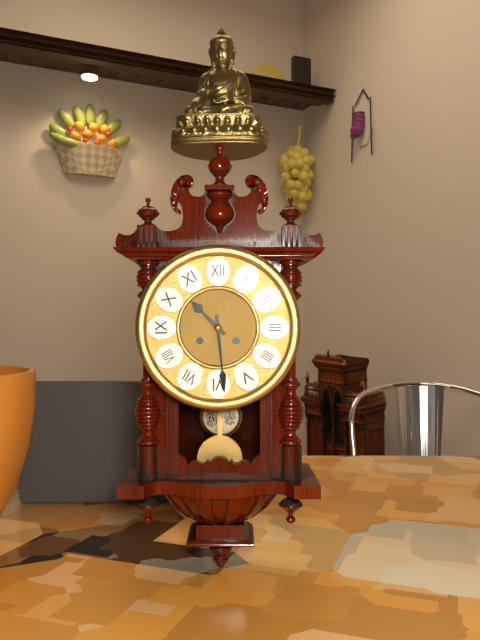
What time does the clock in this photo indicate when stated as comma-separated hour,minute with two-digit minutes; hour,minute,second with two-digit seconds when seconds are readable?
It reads 10,29
